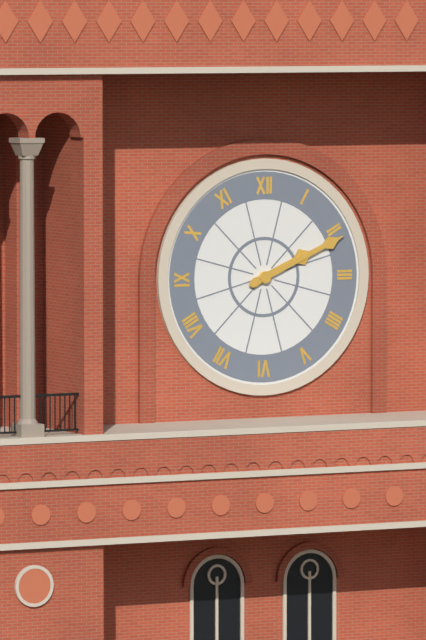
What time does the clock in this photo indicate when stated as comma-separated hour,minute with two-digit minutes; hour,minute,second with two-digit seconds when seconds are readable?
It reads 2,11
